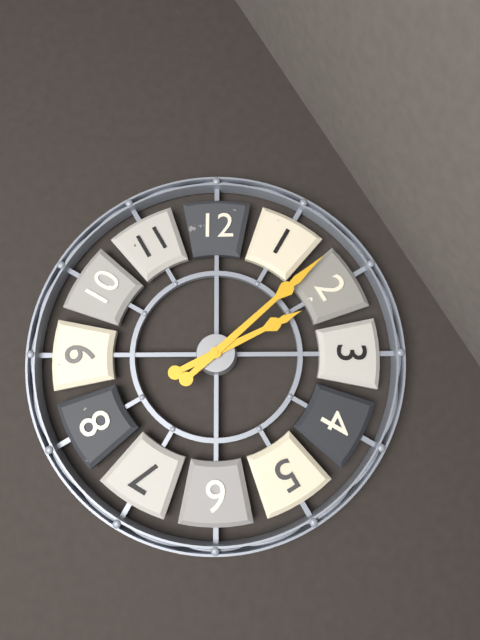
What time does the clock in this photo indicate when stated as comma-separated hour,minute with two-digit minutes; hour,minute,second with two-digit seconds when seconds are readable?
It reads 2,08
